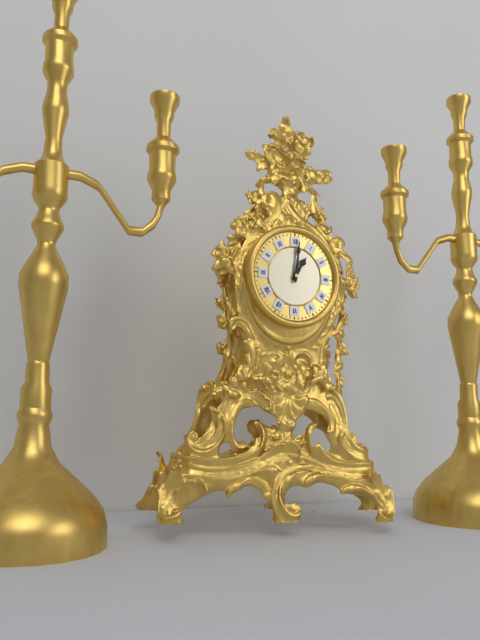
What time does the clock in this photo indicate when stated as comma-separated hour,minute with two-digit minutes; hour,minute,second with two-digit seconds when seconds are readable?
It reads 1,01
